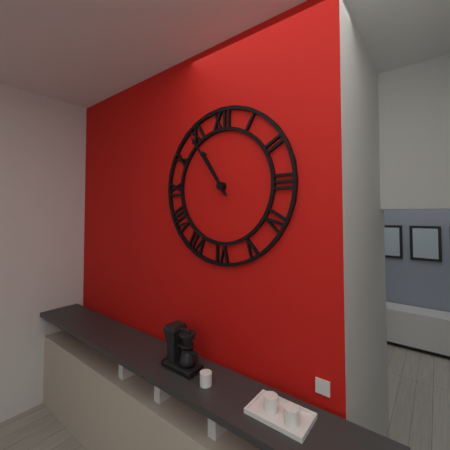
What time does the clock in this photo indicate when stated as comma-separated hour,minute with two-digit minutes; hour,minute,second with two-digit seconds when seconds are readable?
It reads 10,54
